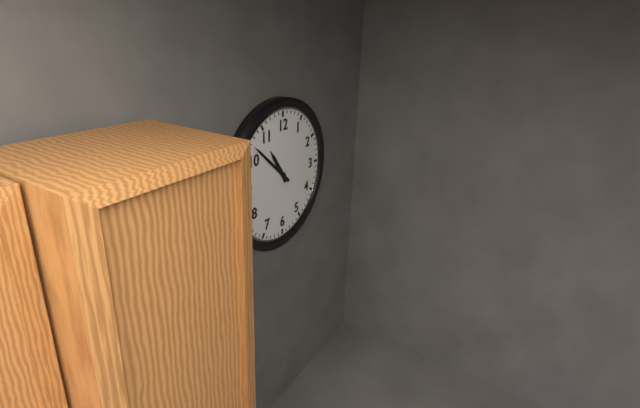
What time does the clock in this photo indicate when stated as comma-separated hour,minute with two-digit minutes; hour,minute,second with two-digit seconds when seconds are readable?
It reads 10,52
